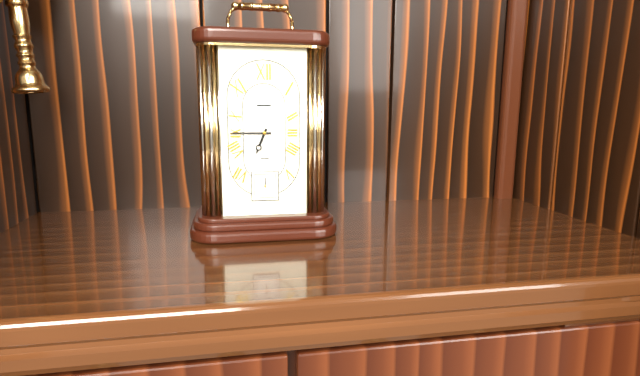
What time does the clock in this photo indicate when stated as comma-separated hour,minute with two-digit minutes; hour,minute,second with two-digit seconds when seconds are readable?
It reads 6,45
